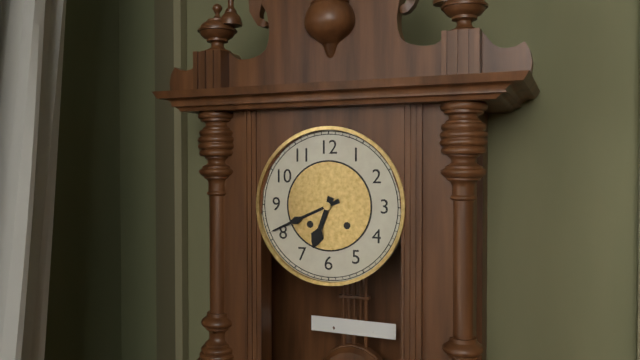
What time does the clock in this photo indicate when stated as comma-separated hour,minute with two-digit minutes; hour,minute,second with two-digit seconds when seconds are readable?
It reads 6,41
